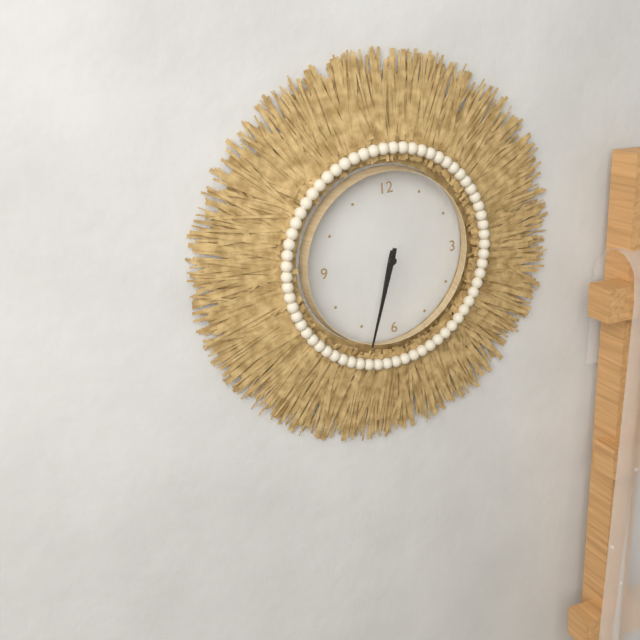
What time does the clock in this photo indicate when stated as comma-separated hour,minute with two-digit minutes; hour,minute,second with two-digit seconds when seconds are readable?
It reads 6,33
